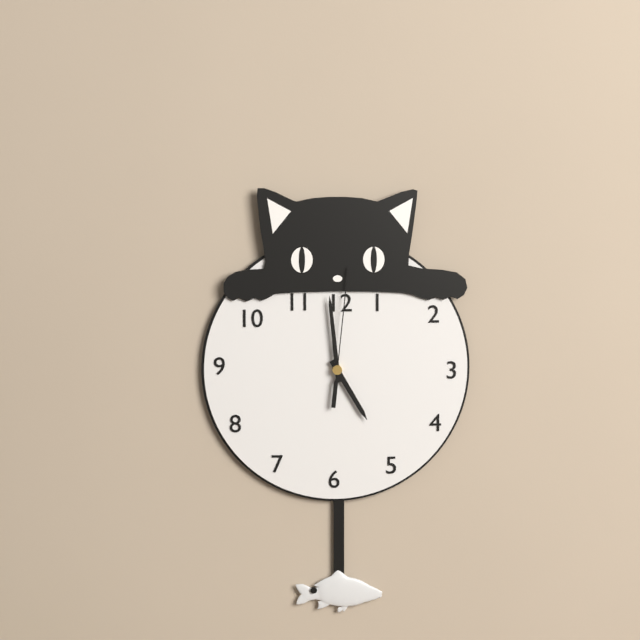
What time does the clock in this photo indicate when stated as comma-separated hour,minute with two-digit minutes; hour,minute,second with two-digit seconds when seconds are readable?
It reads 4,59,01
